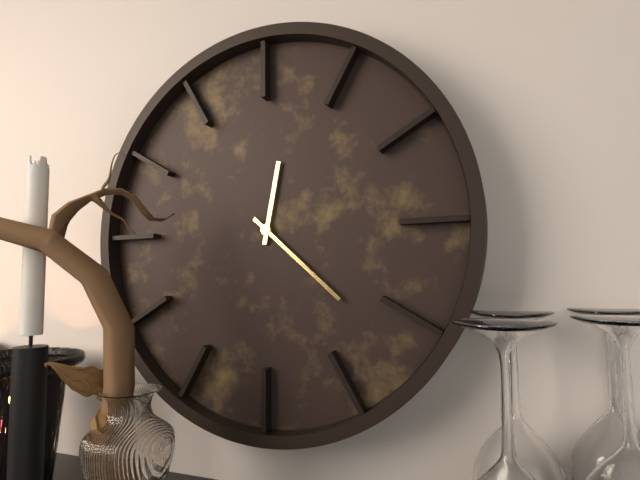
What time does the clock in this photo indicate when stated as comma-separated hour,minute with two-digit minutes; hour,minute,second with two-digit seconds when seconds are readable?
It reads 12,22
